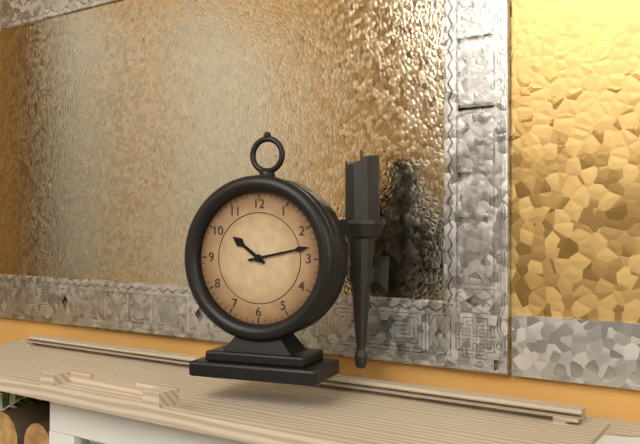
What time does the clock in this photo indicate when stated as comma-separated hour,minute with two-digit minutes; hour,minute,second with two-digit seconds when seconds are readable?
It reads 10,13
